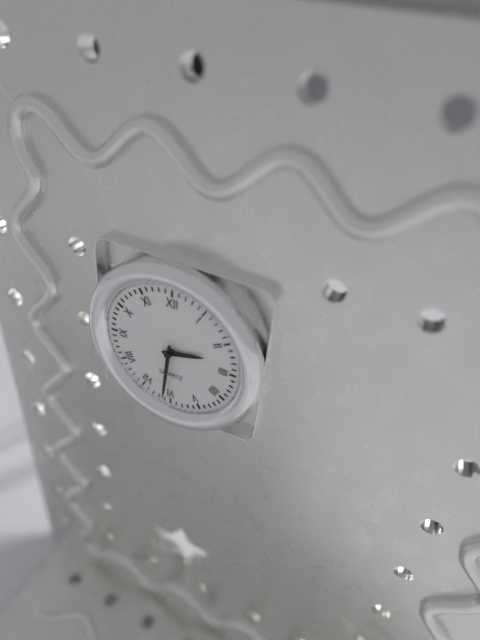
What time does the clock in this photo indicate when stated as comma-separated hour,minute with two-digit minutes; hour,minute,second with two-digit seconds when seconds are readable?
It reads 2,31
